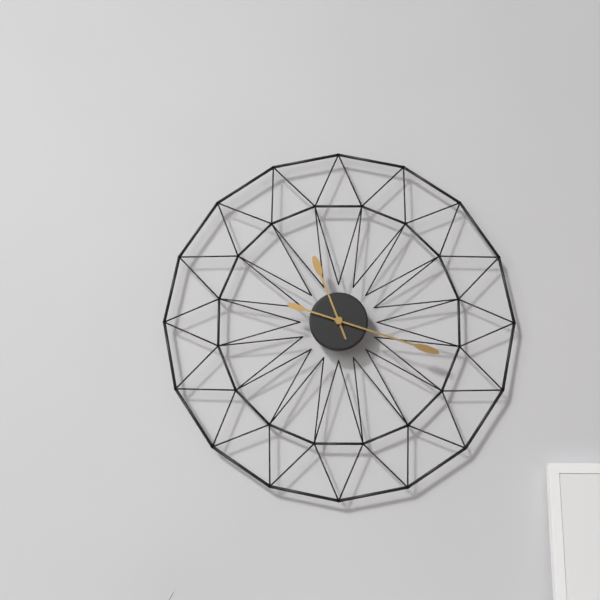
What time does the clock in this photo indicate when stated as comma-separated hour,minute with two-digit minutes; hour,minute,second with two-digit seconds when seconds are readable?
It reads 11,18
